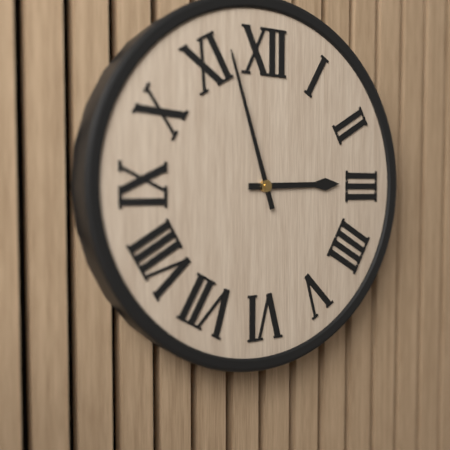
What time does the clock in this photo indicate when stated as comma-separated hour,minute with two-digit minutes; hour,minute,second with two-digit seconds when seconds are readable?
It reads 2,57
